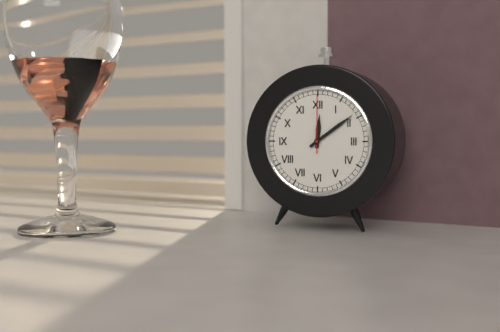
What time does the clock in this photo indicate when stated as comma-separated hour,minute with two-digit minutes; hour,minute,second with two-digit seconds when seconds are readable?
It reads 12,09,00
